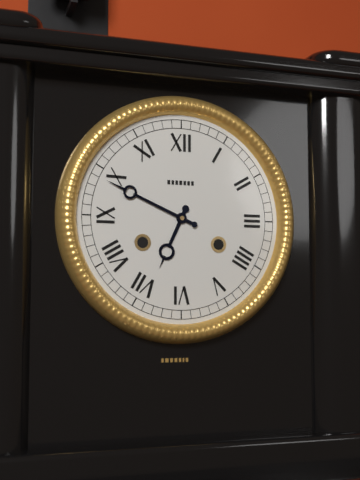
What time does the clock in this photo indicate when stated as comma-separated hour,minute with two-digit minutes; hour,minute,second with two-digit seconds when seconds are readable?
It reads 6,49
